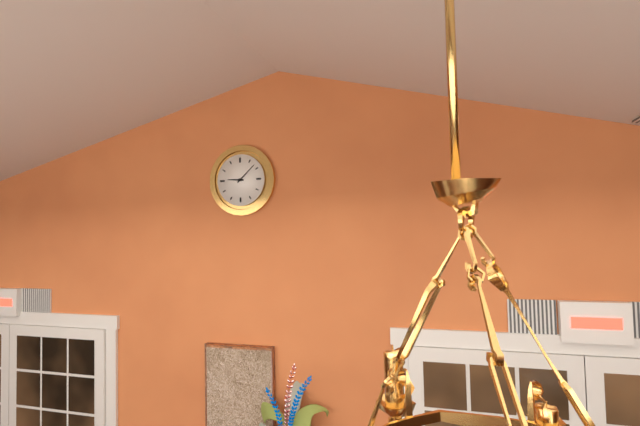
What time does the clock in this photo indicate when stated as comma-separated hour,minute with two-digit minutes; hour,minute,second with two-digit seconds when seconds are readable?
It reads 9,08
